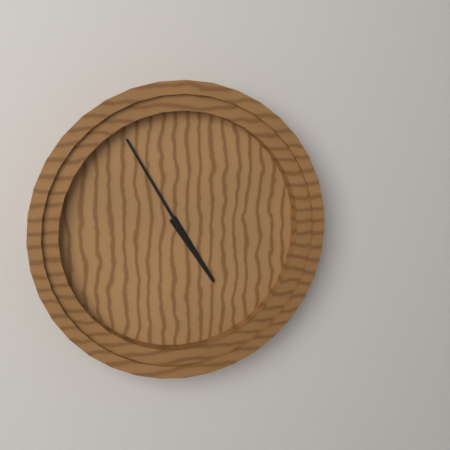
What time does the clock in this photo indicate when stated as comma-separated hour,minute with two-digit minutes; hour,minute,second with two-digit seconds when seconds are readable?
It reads 4,55
